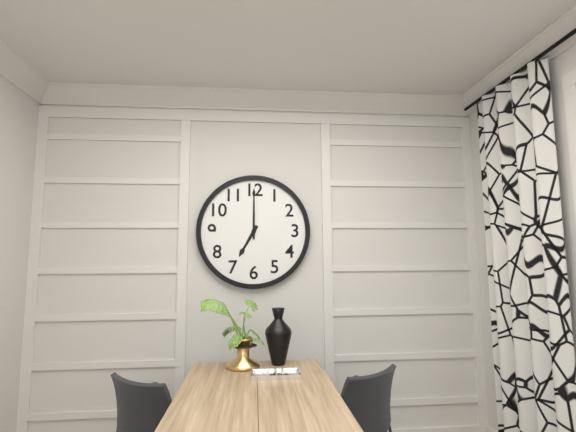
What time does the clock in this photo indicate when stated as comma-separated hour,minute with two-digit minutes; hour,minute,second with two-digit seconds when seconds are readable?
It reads 7,00
